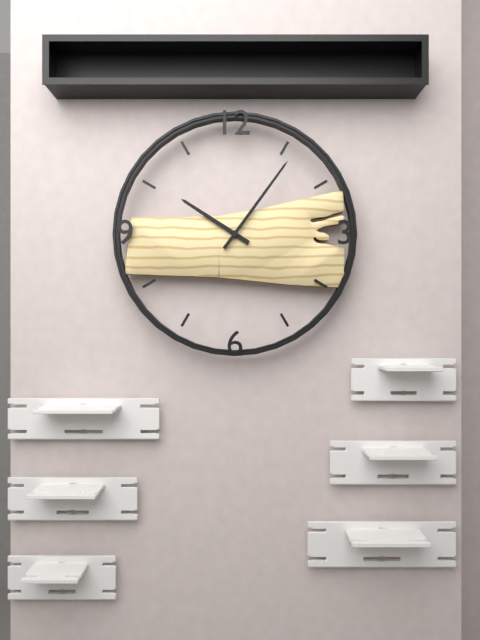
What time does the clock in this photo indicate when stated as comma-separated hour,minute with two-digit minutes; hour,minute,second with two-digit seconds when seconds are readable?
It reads 10,06
